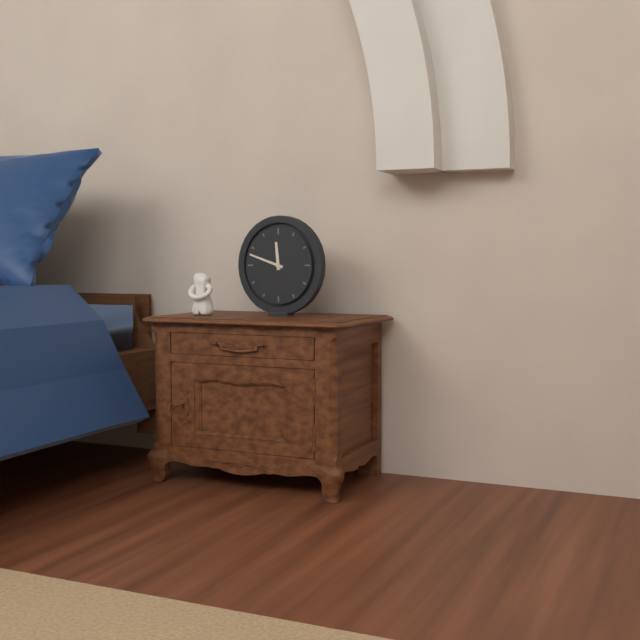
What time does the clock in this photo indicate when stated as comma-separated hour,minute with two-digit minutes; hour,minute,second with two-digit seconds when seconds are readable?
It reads 11,48
